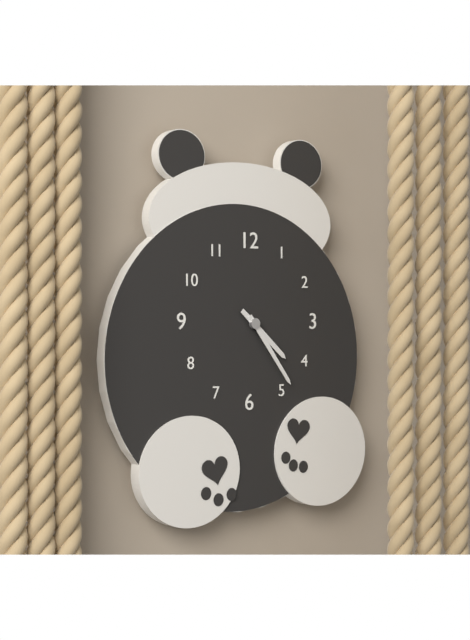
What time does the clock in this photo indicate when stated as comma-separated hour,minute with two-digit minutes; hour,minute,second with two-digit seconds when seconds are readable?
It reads 4,24
